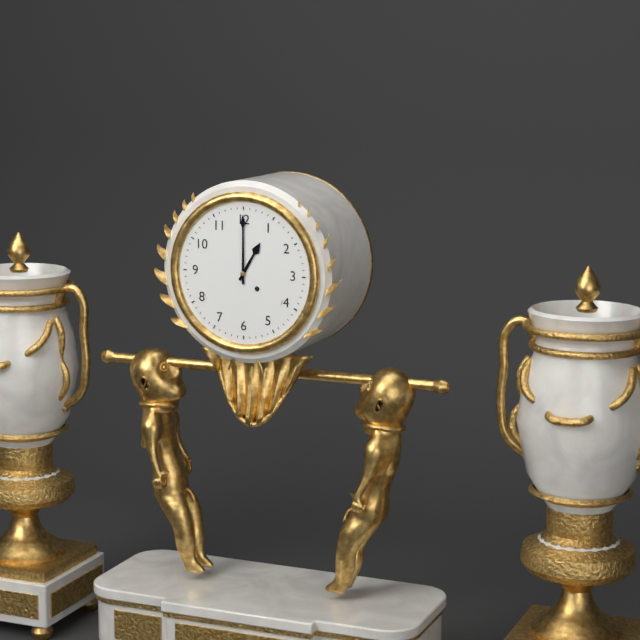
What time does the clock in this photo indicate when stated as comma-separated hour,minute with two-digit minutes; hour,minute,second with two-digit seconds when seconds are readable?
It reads 1,00
